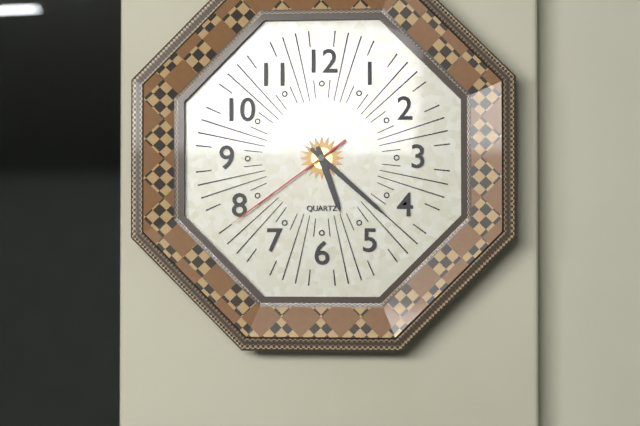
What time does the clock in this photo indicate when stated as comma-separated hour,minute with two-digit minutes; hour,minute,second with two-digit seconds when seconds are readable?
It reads 5,22,39
